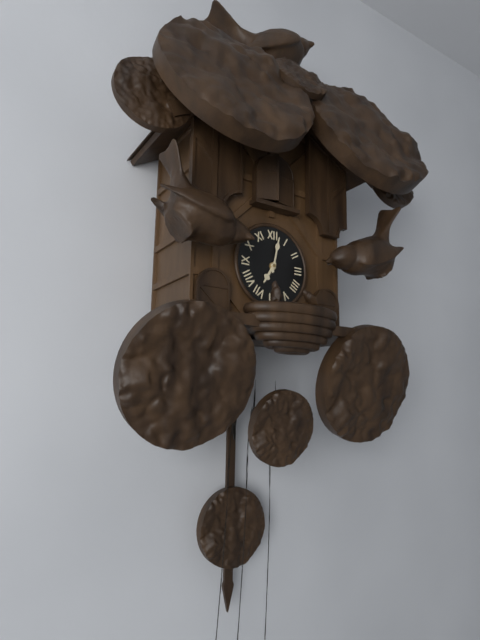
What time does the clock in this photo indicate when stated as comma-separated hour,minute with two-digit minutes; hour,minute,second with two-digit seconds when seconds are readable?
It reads 7,02
